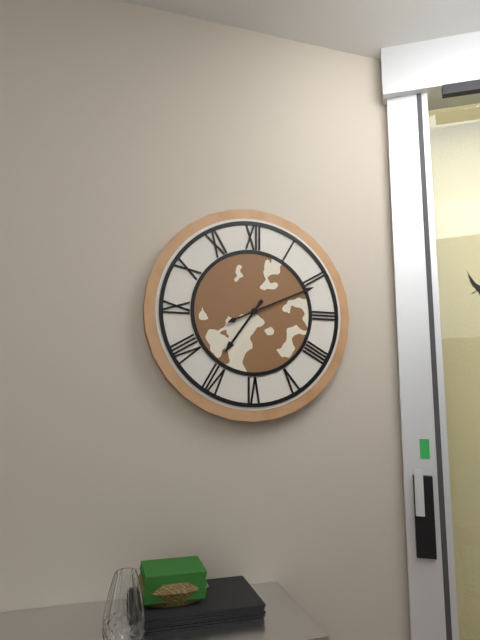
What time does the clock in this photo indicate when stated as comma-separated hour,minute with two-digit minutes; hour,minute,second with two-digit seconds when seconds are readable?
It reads 7,11
